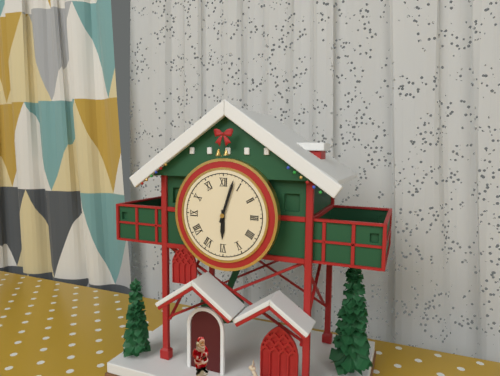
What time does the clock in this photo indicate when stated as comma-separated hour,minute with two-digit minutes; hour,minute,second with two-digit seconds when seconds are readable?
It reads 6,03
